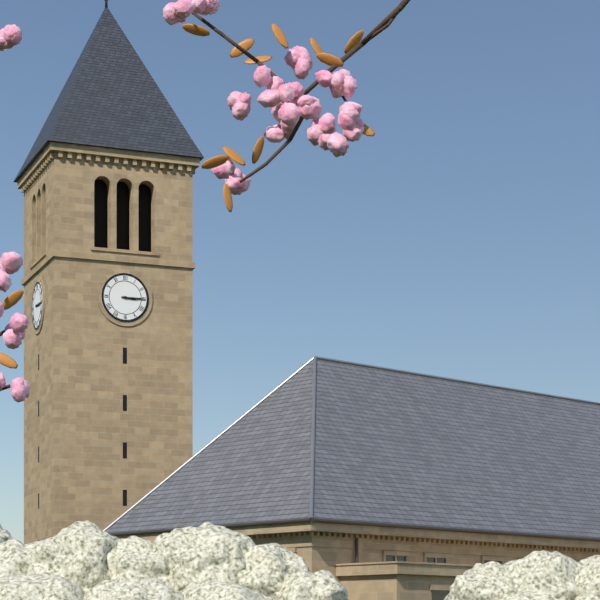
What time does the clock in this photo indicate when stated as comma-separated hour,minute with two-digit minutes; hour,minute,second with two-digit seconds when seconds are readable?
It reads 3,15
